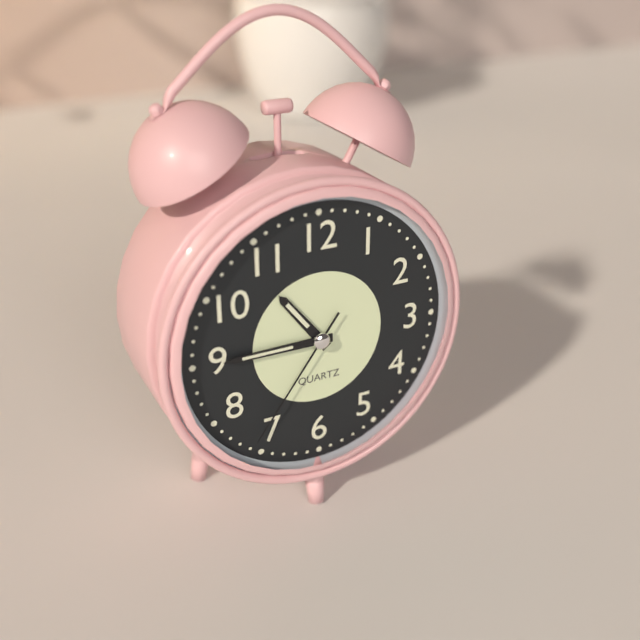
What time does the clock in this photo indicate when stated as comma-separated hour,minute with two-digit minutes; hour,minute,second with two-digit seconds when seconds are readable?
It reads 10,45,36
